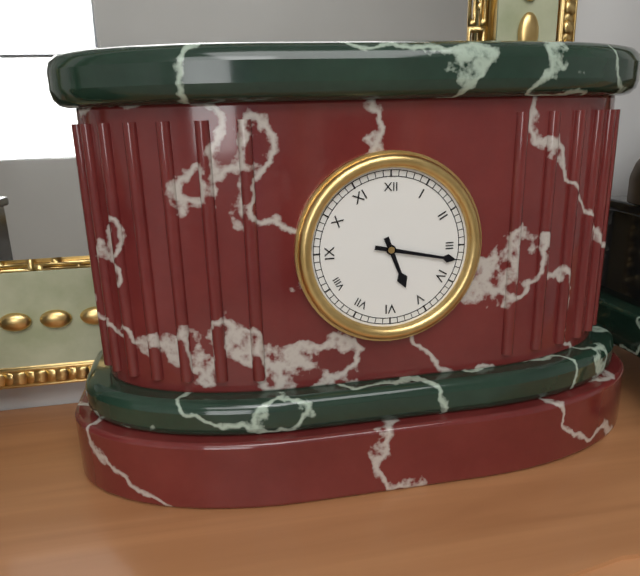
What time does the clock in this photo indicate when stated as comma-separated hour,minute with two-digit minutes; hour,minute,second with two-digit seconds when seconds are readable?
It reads 5,17
